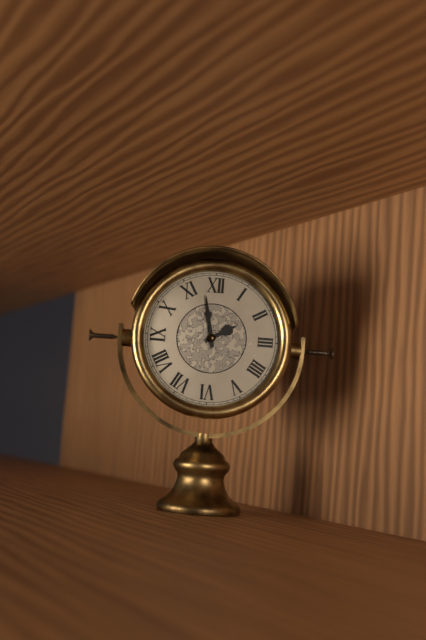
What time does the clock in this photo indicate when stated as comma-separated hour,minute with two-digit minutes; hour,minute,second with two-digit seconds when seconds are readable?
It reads 1,58
